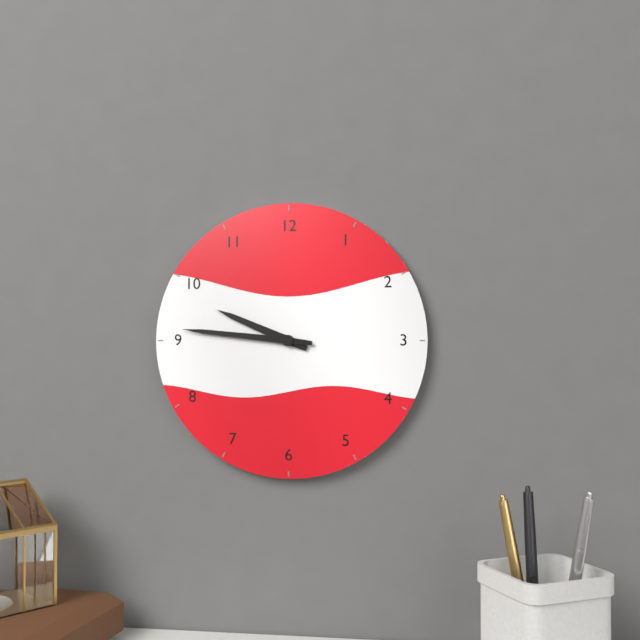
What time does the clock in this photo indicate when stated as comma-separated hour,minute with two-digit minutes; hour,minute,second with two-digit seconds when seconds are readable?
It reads 9,46
